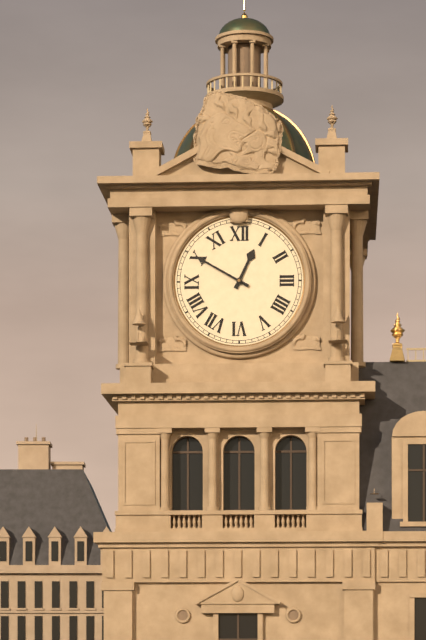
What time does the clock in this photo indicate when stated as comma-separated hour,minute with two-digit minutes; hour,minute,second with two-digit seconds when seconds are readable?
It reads 12,50
